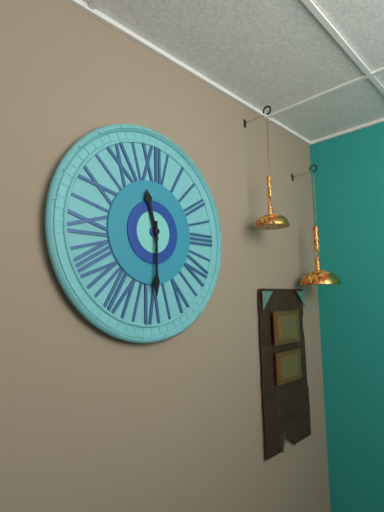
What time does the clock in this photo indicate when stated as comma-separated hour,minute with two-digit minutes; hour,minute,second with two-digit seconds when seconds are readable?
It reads 11,30
